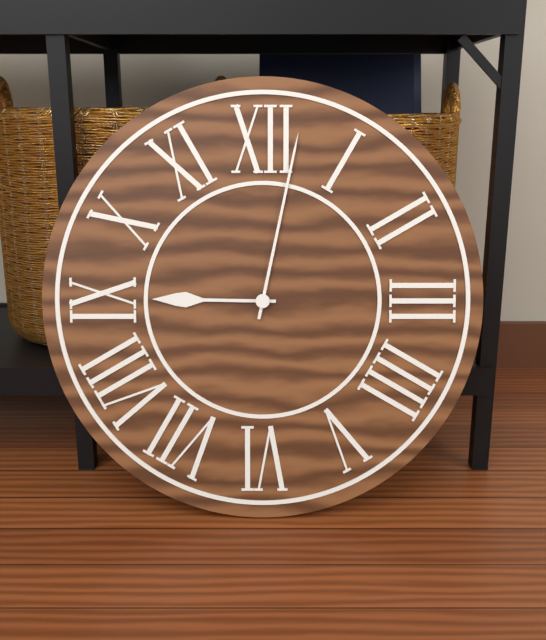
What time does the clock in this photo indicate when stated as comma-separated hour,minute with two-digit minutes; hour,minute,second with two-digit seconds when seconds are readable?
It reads 9,02
